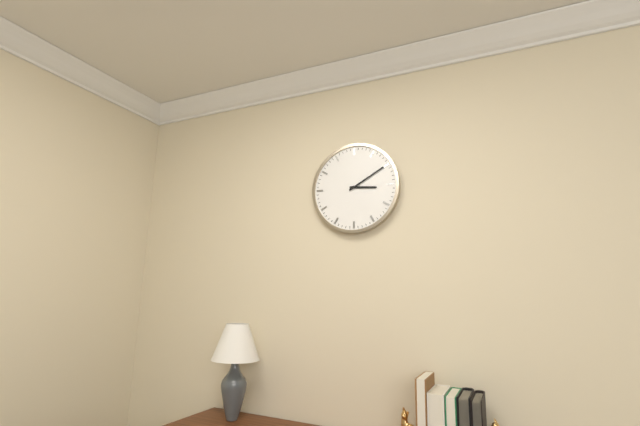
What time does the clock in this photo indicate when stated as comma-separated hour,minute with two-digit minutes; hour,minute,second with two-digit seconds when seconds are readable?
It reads 3,10
